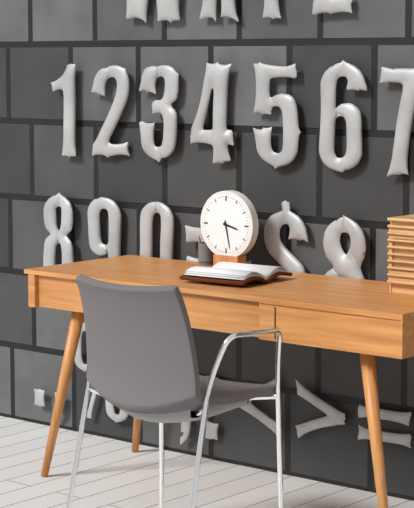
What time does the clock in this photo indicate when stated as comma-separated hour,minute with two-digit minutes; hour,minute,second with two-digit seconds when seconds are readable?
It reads 3,28
